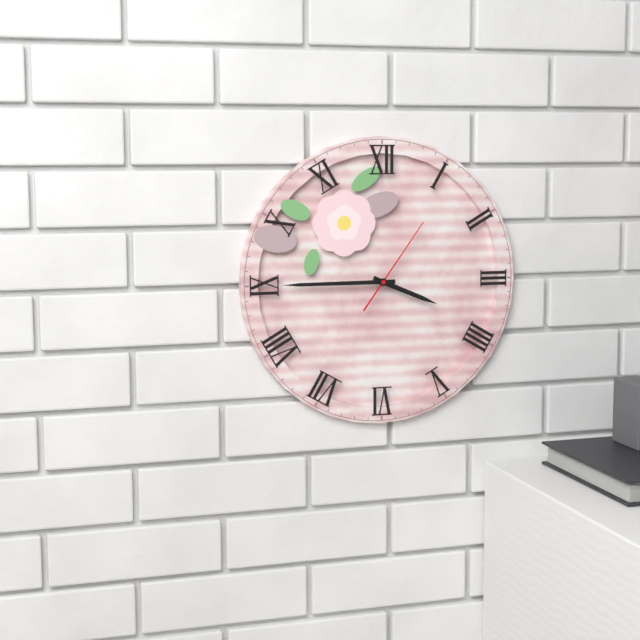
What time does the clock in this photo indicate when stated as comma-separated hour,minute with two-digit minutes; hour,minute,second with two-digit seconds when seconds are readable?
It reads 3,45,06
